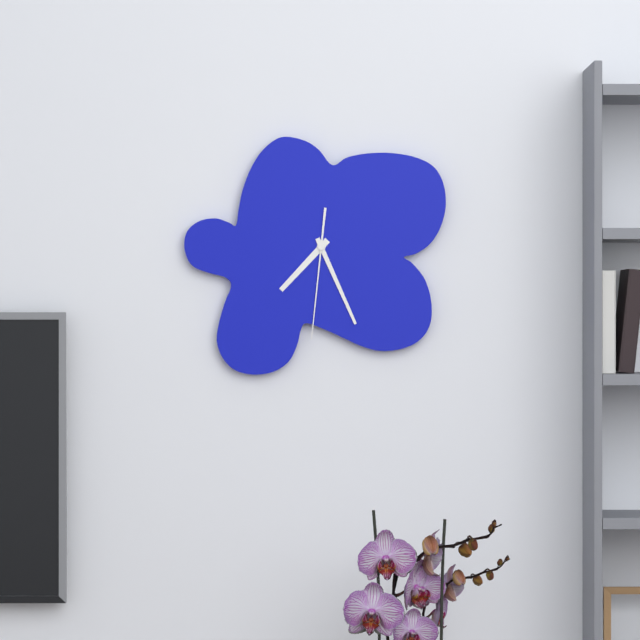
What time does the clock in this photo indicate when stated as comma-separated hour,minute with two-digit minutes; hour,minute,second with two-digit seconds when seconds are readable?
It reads 7,26,31
